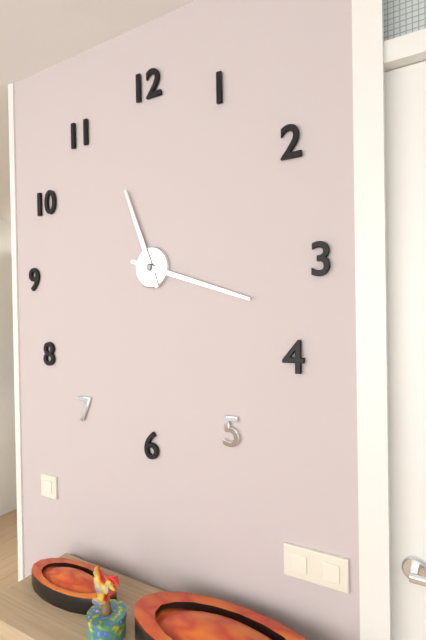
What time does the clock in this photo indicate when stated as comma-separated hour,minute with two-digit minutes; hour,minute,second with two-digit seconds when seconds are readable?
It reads 11,18
